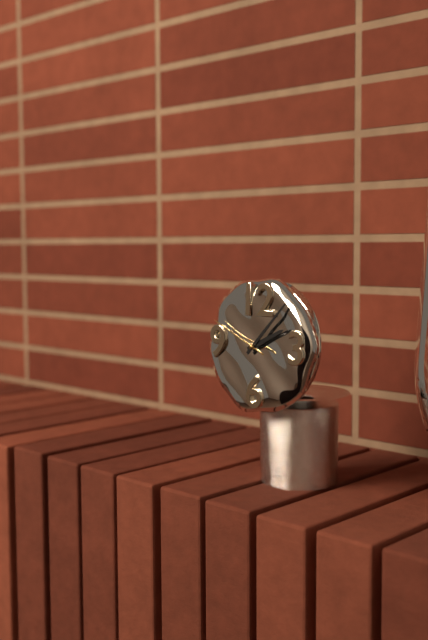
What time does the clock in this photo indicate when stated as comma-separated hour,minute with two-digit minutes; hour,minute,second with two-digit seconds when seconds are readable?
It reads 2,07,49
